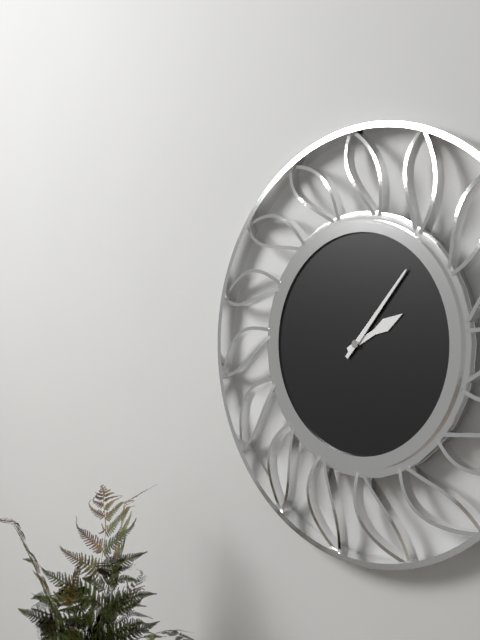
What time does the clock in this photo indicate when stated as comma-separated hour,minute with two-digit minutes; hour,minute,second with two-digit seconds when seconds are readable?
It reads 2,07
